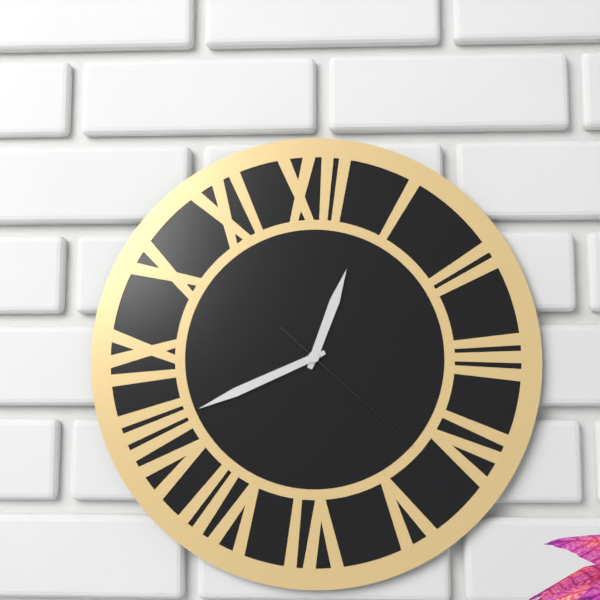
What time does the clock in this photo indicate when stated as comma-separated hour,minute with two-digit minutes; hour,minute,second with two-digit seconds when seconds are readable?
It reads 12,41,22
